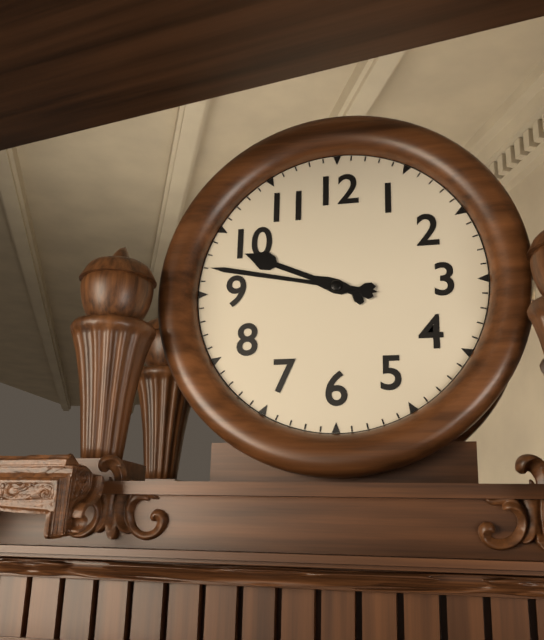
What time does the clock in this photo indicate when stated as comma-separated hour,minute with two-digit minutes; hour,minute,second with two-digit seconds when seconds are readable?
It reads 9,47
